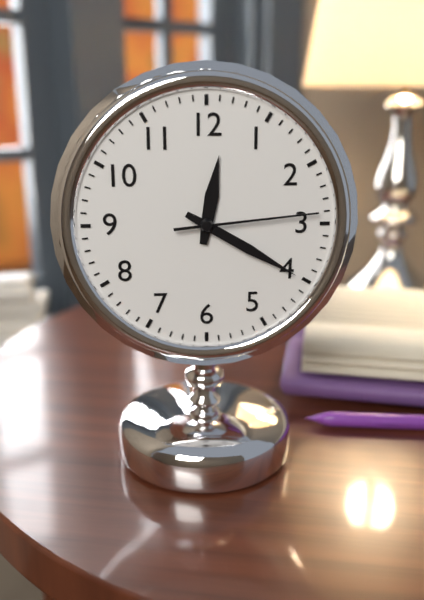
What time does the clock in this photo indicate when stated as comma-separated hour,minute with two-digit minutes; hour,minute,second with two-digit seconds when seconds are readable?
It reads 12,20,14
